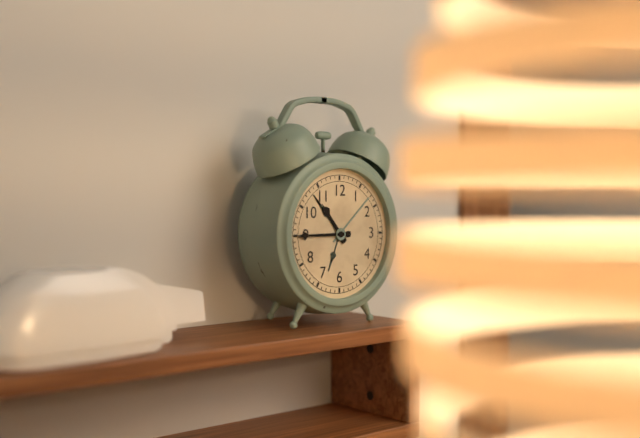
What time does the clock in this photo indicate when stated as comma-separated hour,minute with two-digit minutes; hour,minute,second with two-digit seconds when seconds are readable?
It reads 10,45
